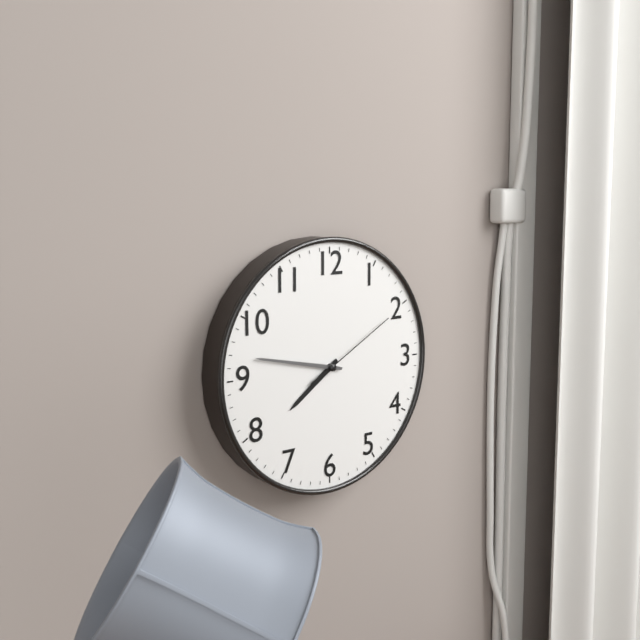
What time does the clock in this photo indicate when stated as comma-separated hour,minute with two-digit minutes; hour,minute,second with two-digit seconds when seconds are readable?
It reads 7,47,10
